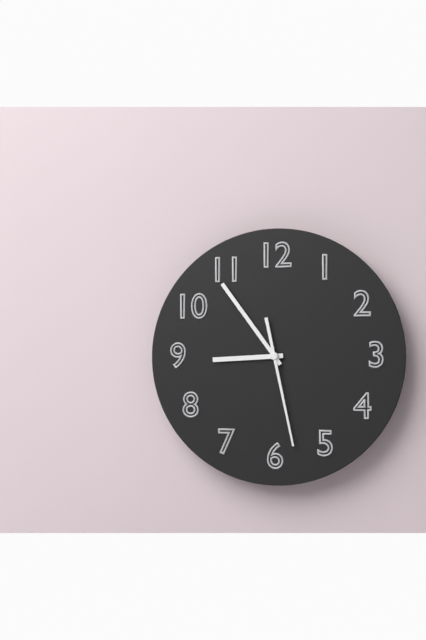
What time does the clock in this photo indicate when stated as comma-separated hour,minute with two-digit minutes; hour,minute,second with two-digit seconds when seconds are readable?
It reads 8,54,28
